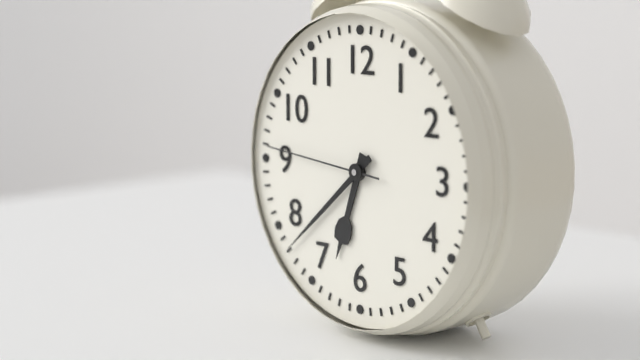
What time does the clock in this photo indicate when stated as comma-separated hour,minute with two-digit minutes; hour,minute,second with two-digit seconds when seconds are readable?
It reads 6,38,46
